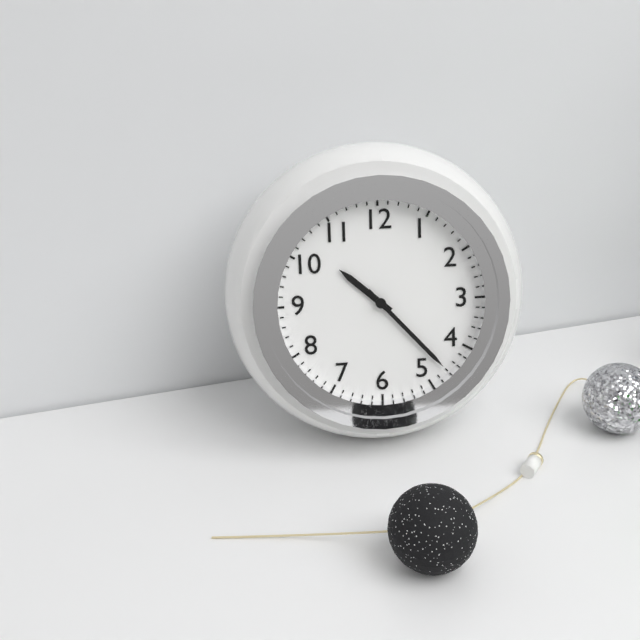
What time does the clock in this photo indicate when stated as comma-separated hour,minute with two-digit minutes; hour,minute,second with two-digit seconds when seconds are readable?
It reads 10,23
